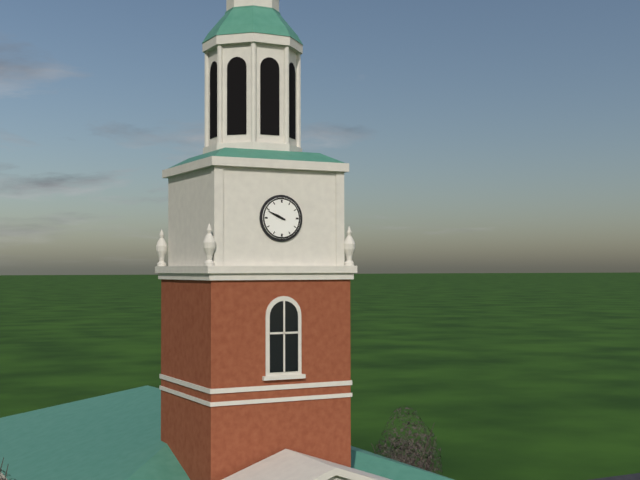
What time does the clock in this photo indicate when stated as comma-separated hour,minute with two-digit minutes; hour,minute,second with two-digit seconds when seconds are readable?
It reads 9,49
